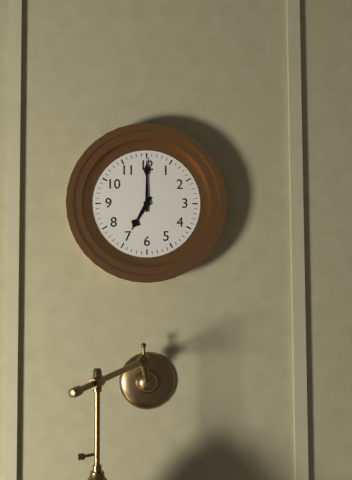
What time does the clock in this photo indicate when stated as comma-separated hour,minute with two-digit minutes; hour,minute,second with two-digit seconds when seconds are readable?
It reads 7,00
